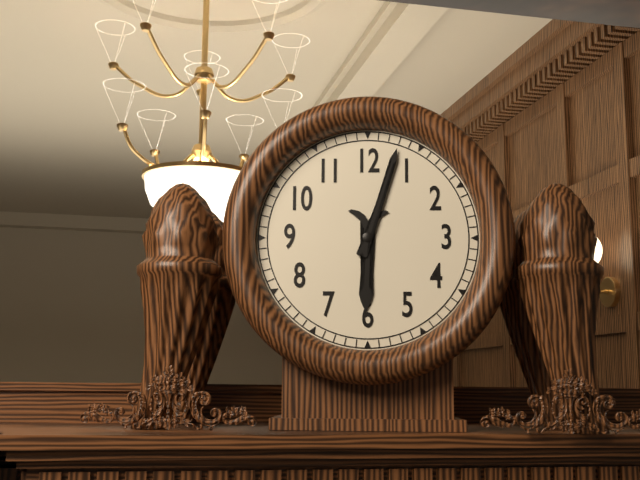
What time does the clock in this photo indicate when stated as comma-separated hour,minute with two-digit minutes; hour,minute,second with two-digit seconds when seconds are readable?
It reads 6,03
